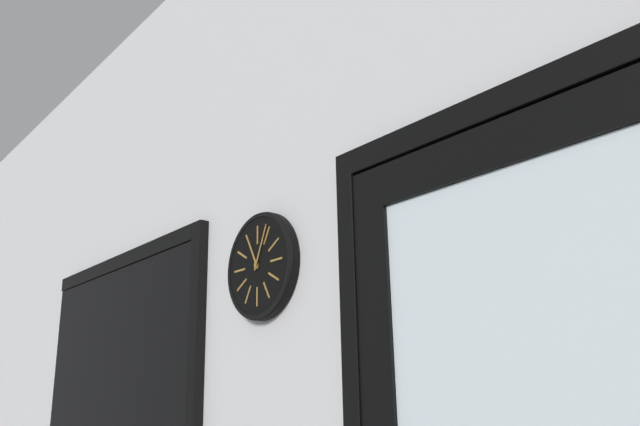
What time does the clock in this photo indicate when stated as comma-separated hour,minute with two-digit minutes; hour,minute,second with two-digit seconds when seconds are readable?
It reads 11,04
